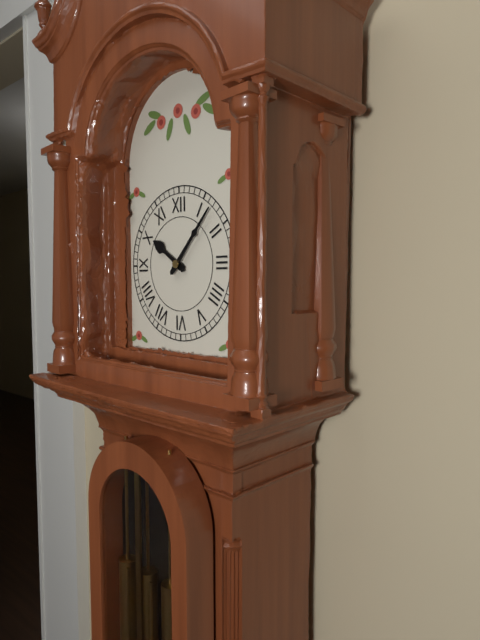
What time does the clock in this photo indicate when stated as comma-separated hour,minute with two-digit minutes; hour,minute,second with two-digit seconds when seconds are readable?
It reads 10,07
